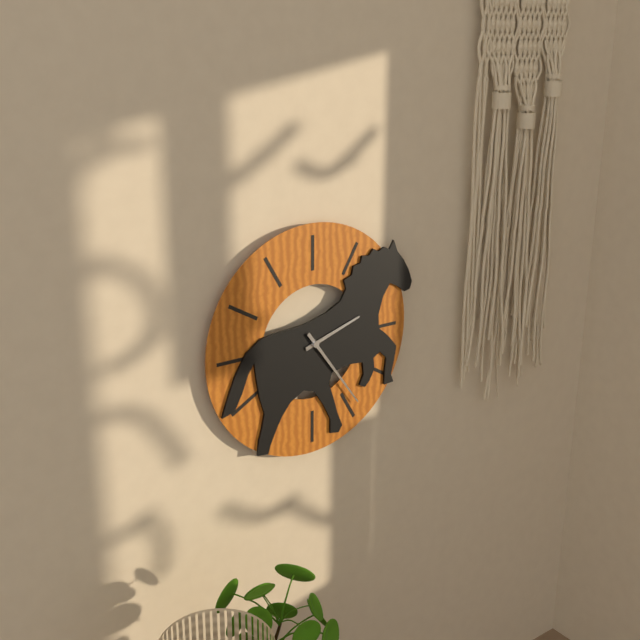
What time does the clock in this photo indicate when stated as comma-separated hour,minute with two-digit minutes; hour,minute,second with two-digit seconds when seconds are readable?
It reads 2,24
